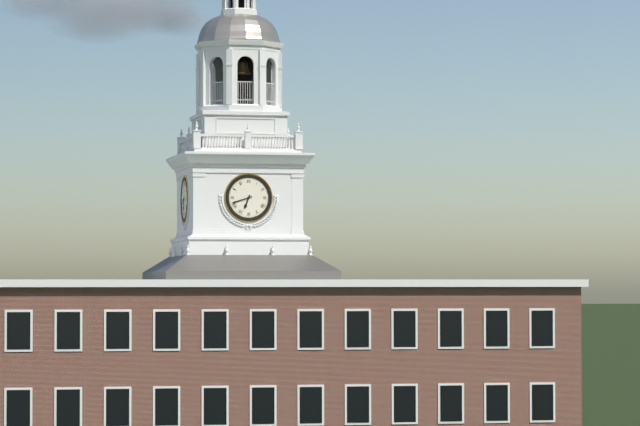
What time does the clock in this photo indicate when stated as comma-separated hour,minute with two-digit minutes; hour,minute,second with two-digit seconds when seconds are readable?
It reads 6,42
